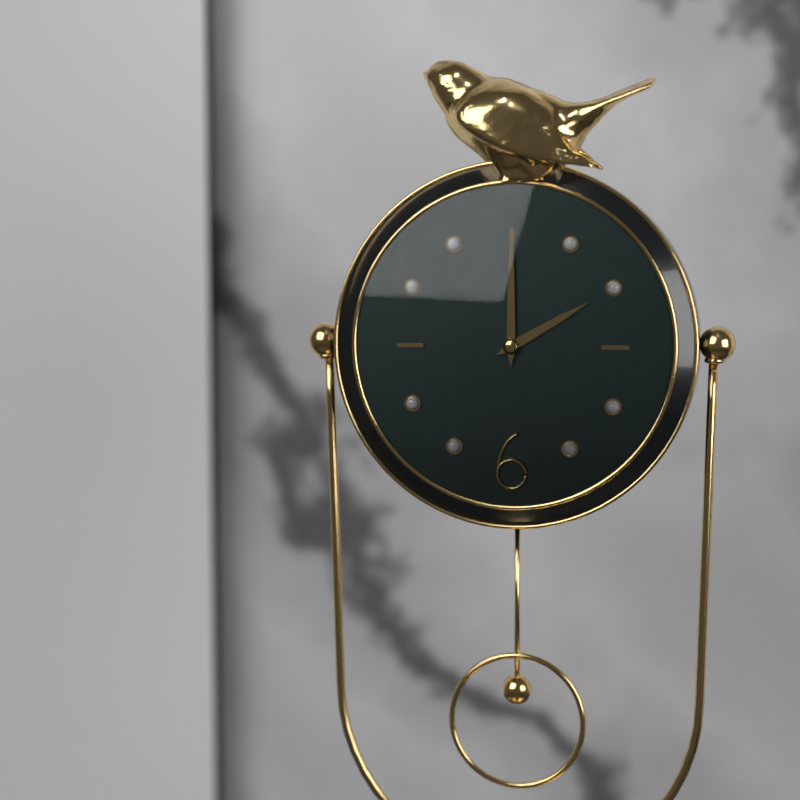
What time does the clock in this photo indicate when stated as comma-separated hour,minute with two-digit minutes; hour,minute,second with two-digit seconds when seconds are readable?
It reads 2,00
